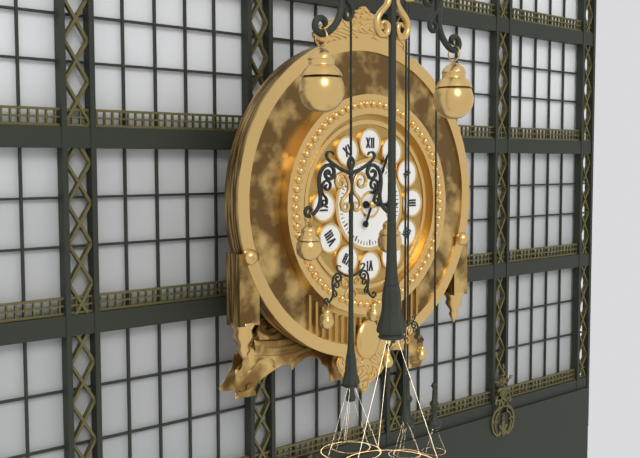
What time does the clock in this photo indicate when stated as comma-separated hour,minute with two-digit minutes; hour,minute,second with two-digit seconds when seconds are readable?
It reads 3,04
